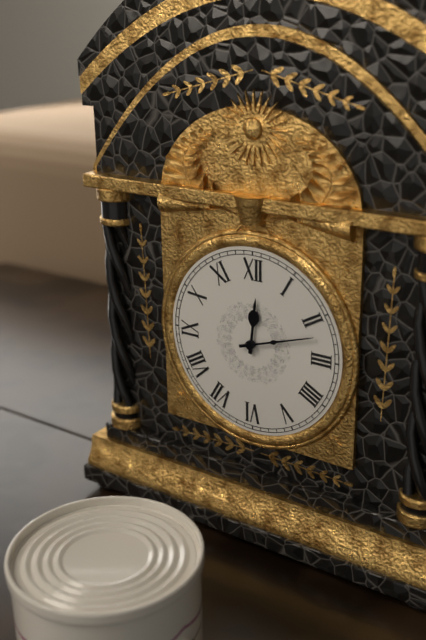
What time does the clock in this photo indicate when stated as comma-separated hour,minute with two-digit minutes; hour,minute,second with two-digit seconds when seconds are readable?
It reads 12,12
